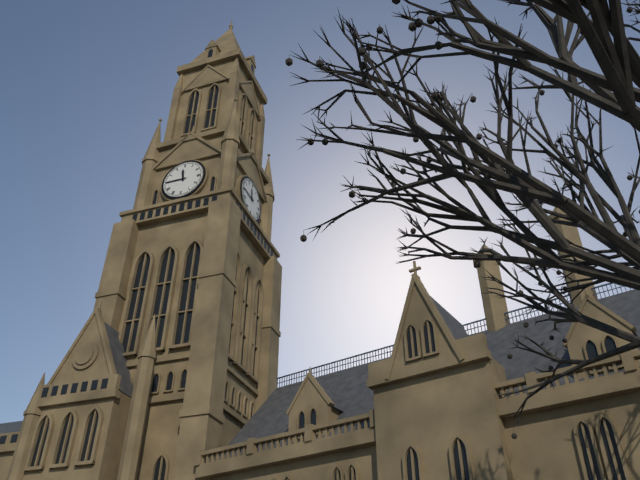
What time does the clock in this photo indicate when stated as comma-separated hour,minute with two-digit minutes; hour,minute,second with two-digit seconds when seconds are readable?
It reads 11,45
